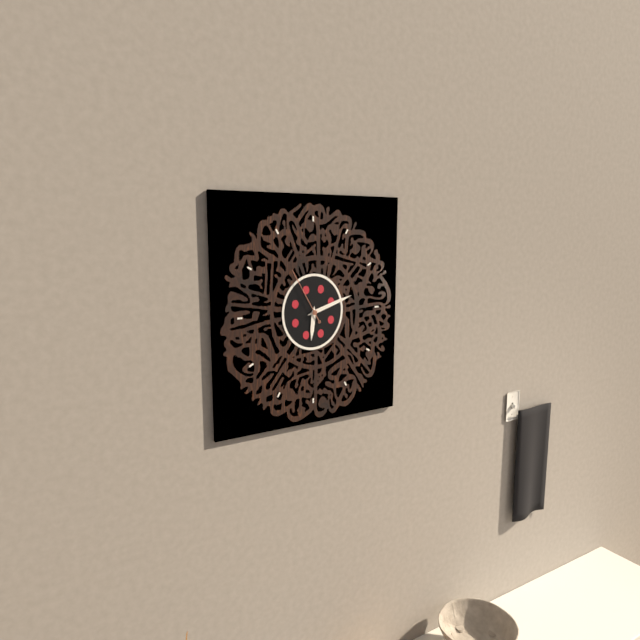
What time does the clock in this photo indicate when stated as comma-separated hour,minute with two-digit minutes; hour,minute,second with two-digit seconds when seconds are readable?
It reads 6,12,55
